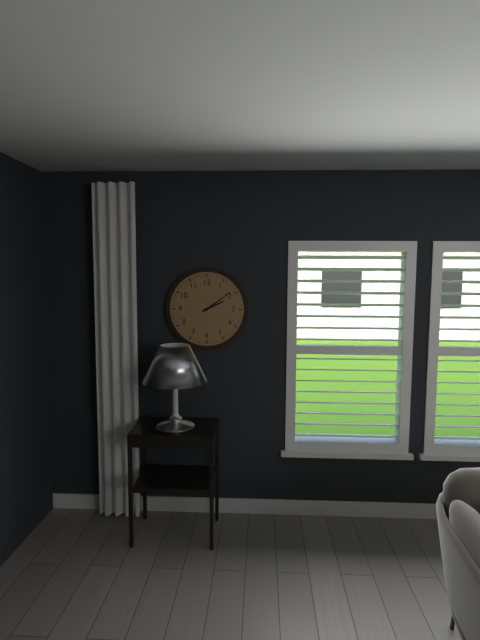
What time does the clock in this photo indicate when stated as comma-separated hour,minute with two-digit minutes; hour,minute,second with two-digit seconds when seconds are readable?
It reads 2,09
